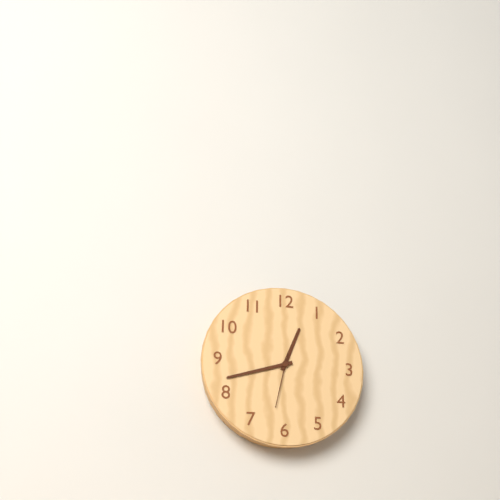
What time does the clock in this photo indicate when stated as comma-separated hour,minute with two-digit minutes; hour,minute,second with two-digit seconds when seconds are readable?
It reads 12,42,32
